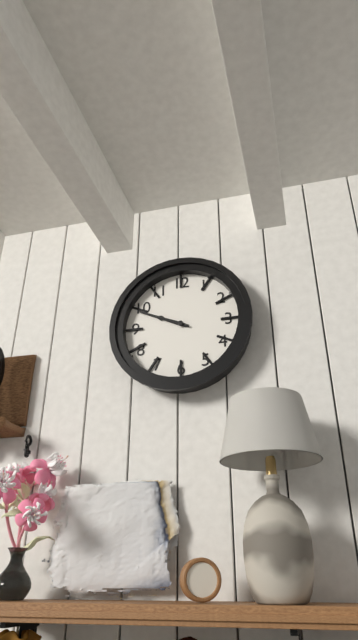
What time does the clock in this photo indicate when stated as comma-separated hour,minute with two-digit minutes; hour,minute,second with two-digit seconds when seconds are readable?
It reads 9,49
